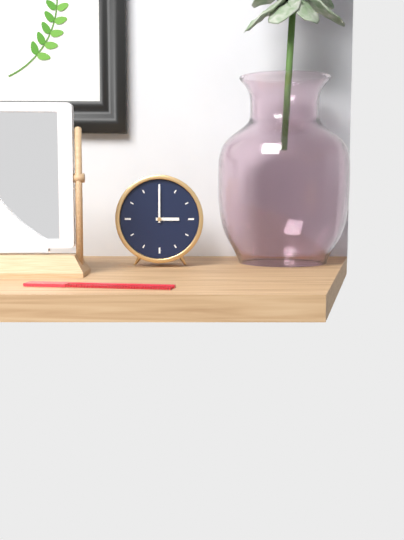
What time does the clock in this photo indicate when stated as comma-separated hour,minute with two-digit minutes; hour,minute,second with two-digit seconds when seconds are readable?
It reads 3,00
